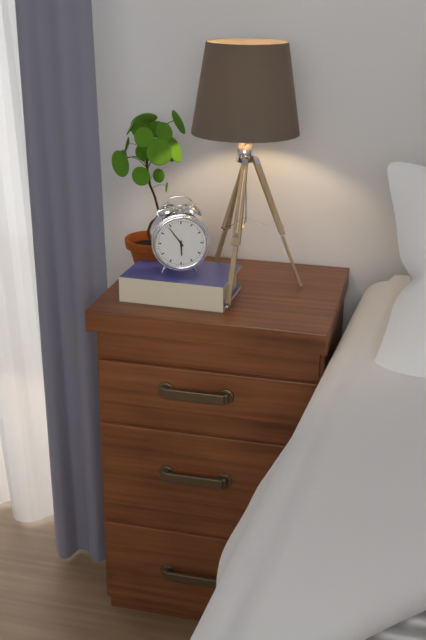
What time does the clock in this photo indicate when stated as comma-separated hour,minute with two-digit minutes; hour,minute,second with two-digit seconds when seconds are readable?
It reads 5,54
